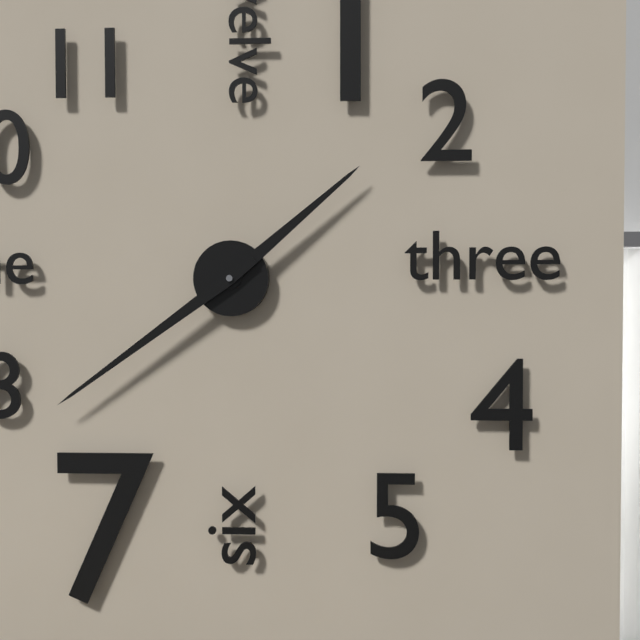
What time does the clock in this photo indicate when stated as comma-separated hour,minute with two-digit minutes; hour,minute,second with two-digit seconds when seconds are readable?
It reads 1,39
